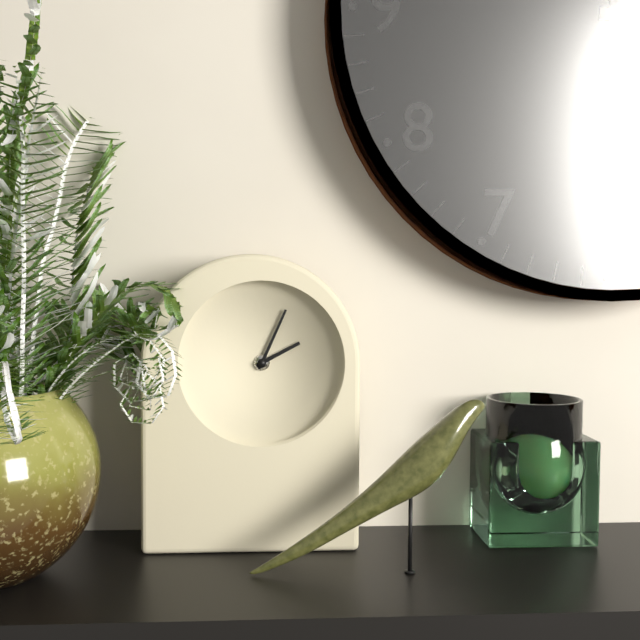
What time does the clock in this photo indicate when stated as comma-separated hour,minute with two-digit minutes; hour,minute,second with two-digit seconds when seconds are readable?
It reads 2,04
